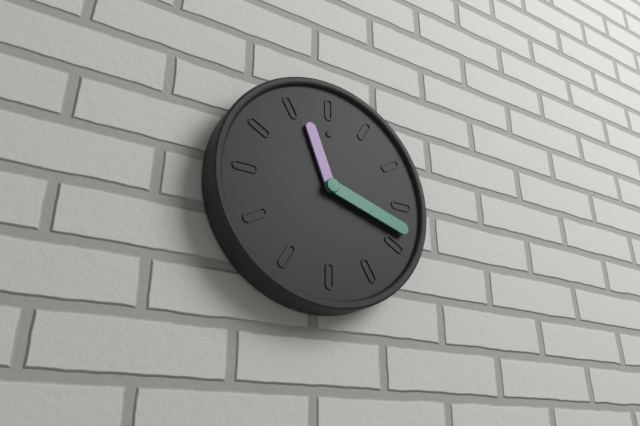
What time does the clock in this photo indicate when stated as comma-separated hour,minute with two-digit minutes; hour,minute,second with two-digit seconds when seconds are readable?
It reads 11,18
